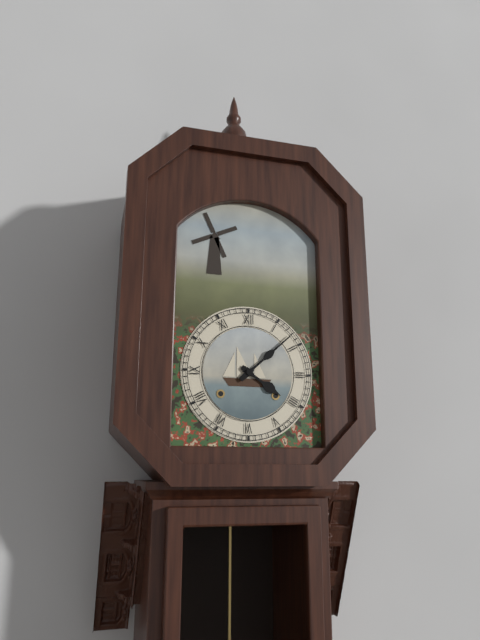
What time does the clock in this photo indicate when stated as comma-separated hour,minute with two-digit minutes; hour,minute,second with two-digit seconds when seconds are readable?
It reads 4,08
